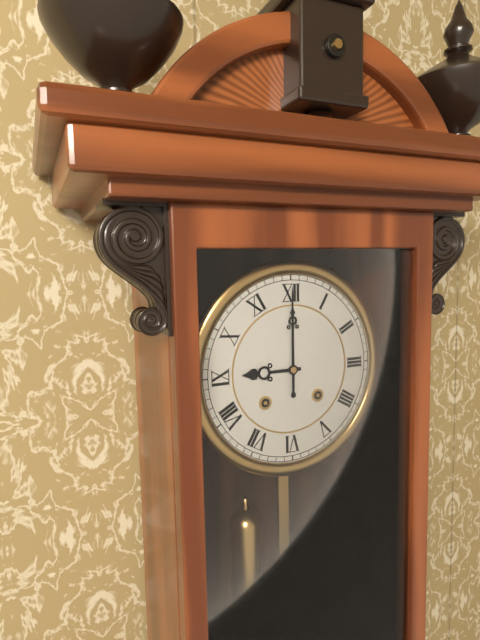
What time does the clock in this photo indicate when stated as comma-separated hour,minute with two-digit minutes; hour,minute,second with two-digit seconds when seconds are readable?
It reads 9,00
